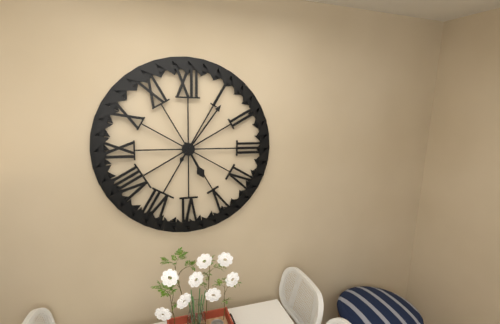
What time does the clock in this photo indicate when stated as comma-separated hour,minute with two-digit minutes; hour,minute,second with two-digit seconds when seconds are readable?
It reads 5,06
